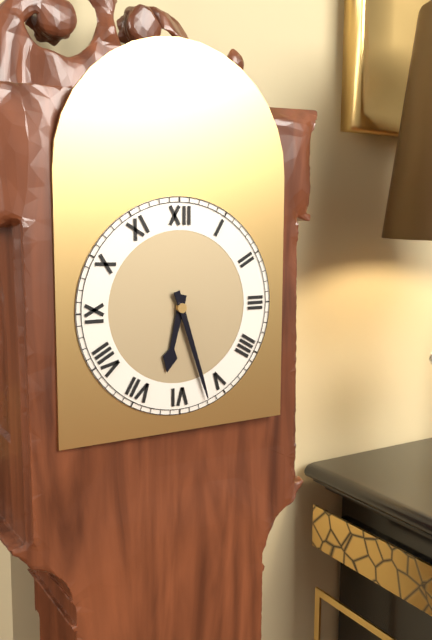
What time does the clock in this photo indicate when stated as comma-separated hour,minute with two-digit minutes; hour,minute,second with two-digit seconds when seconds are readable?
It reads 6,27
